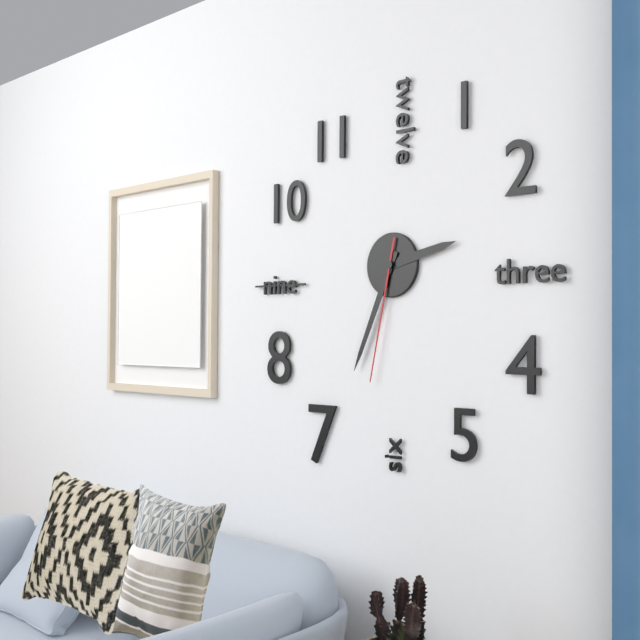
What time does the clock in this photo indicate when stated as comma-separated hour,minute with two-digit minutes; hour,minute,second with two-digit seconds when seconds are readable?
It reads 2,34,32
